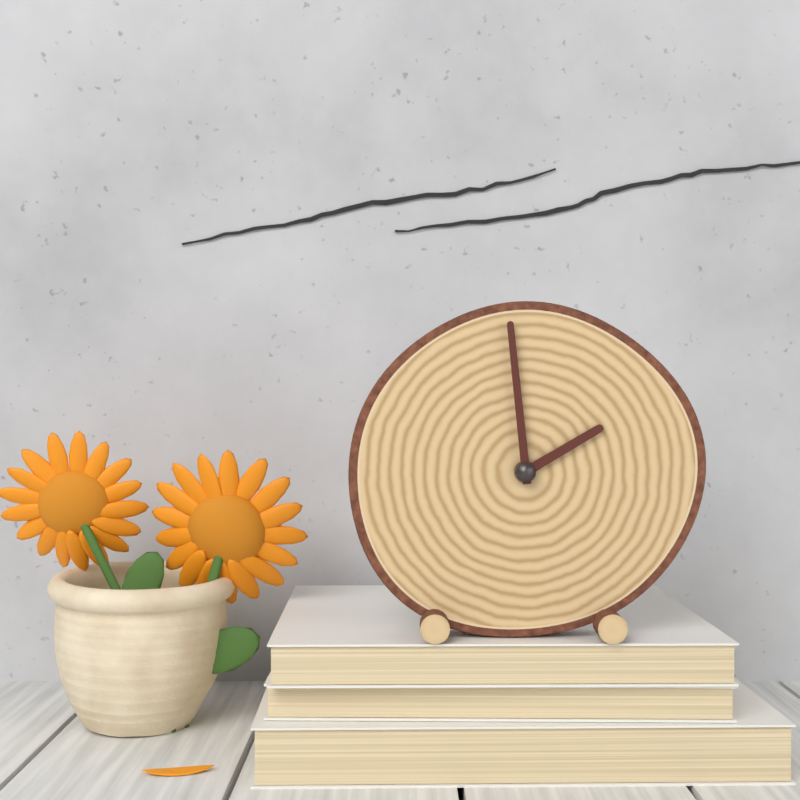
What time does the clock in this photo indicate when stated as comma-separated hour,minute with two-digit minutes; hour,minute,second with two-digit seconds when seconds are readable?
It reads 1,59
